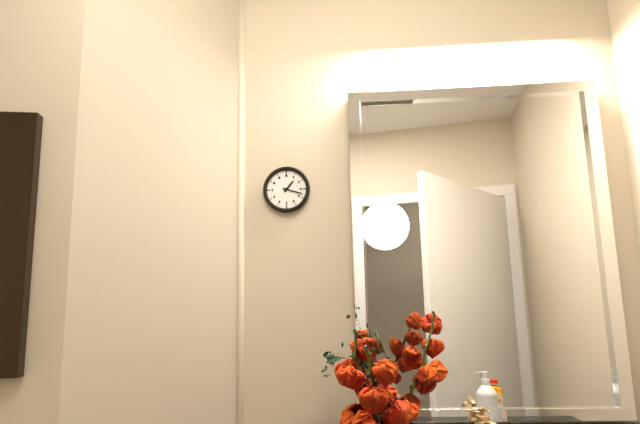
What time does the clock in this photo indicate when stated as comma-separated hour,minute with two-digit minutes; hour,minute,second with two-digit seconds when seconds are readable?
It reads 1,18
